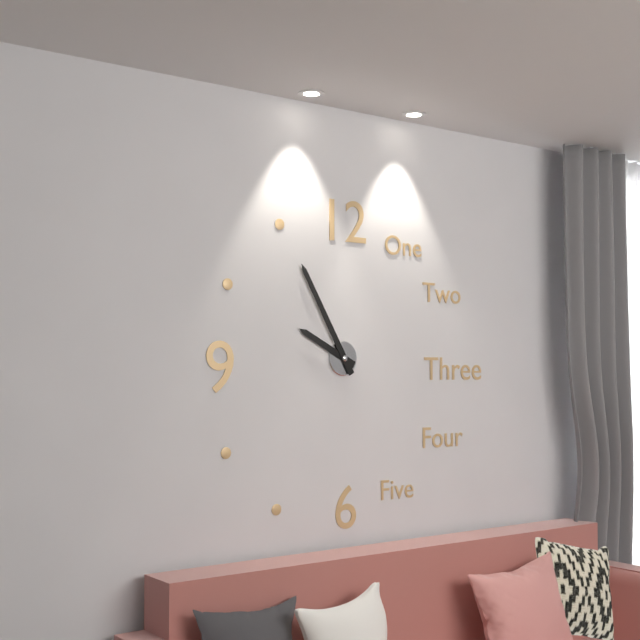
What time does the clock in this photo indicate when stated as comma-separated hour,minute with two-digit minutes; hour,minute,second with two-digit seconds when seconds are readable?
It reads 9,55
